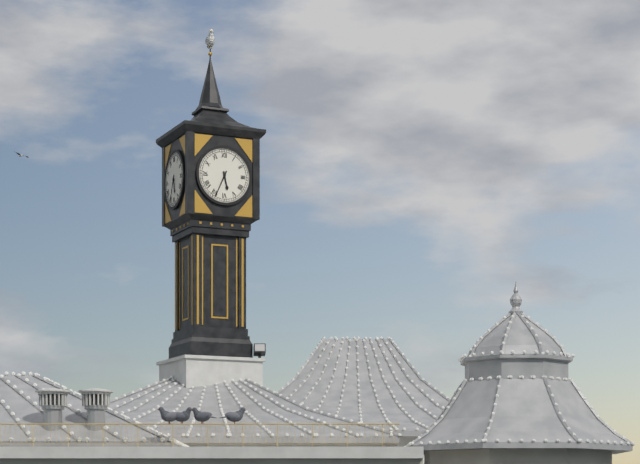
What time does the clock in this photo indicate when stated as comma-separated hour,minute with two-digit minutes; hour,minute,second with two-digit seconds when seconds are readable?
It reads 5,34
